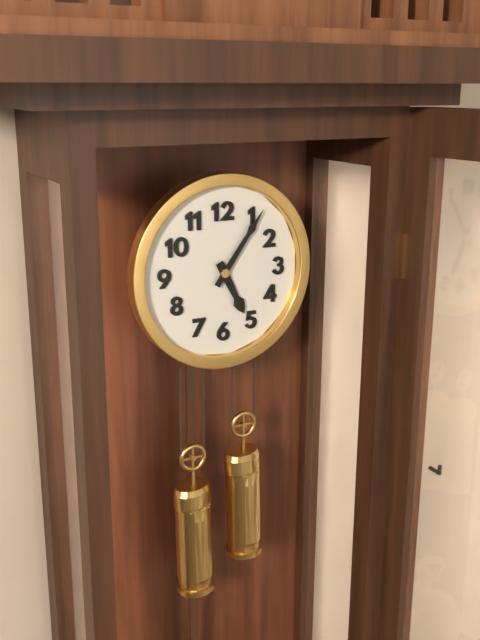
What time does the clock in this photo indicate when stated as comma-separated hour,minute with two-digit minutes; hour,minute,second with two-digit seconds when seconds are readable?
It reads 5,06
